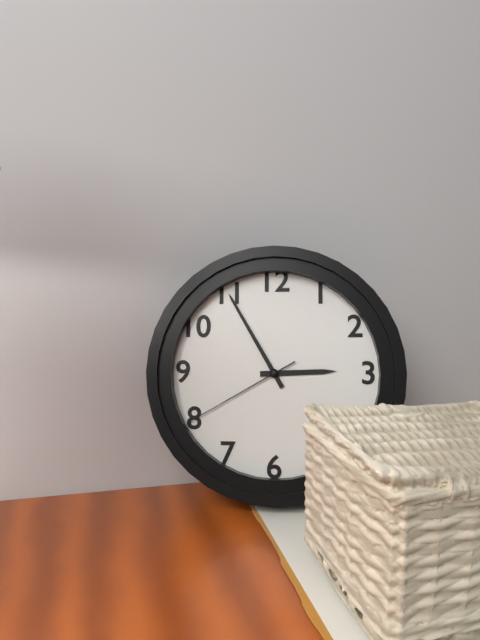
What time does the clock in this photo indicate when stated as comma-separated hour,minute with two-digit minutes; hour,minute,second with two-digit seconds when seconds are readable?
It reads 2,55,40
